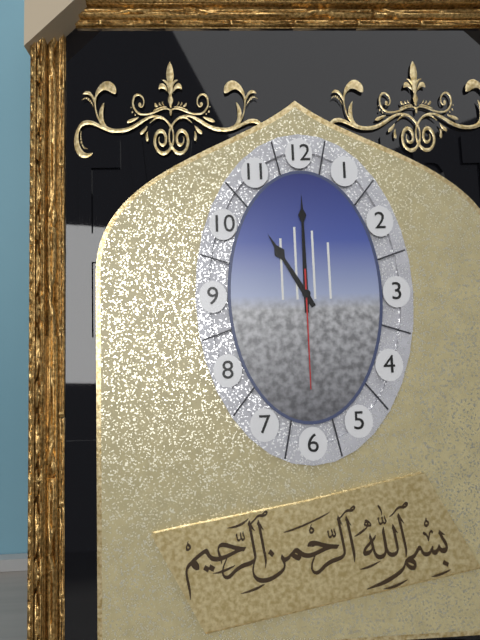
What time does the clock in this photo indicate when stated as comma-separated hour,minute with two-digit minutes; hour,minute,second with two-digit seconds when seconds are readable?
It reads 11,00,30
